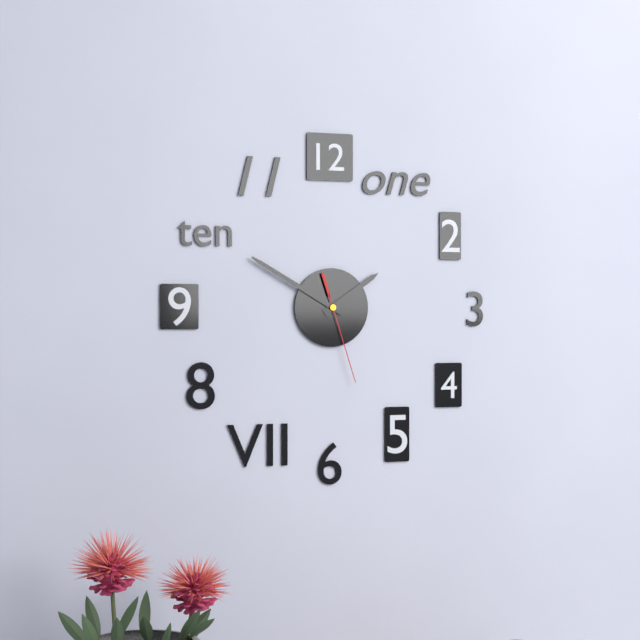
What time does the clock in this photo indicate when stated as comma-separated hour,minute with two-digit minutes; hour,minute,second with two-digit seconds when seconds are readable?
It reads 1,50,27
